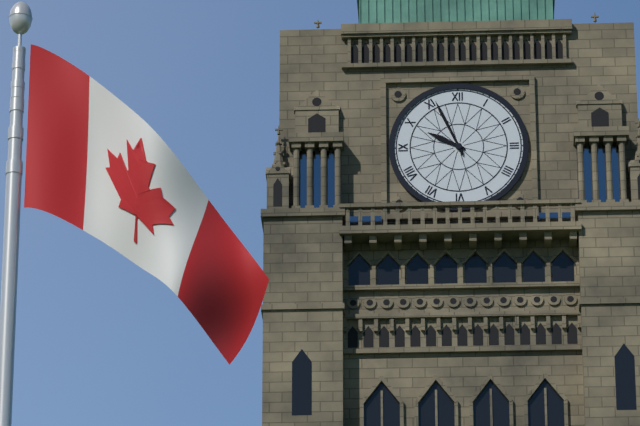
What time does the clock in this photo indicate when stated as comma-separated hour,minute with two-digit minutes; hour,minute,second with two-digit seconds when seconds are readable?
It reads 9,56
